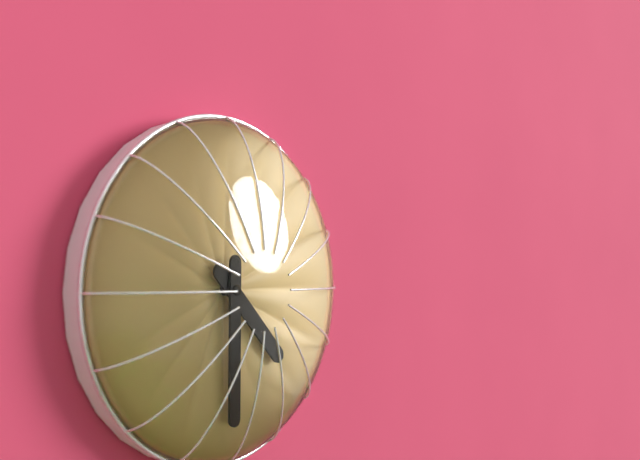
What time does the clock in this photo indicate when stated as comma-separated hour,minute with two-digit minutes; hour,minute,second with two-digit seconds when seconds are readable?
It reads 4,30
